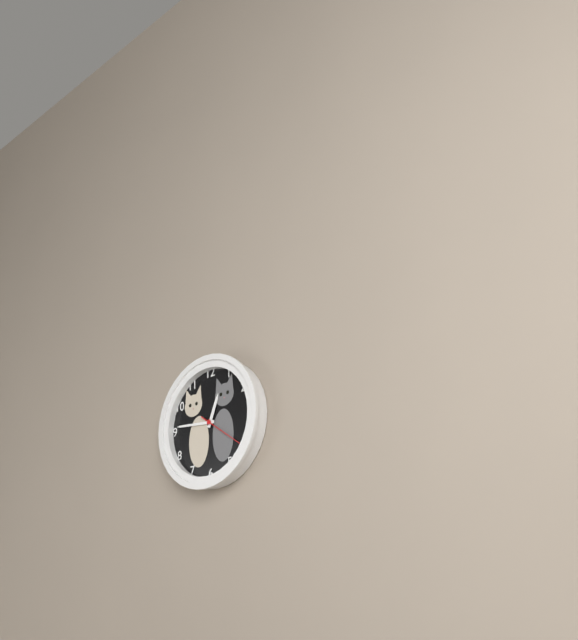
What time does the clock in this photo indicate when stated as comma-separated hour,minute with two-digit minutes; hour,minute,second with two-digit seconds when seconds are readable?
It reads 12,46
